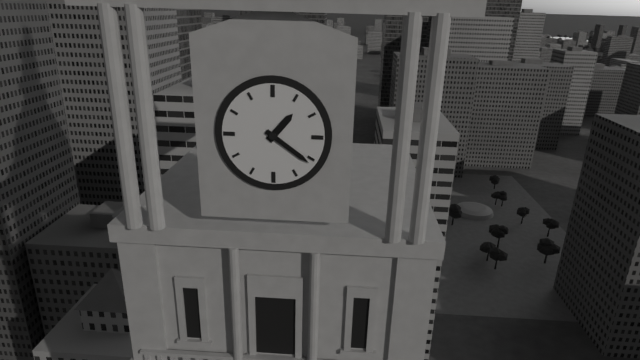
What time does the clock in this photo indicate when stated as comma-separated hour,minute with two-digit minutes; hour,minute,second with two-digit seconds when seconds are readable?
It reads 1,21
